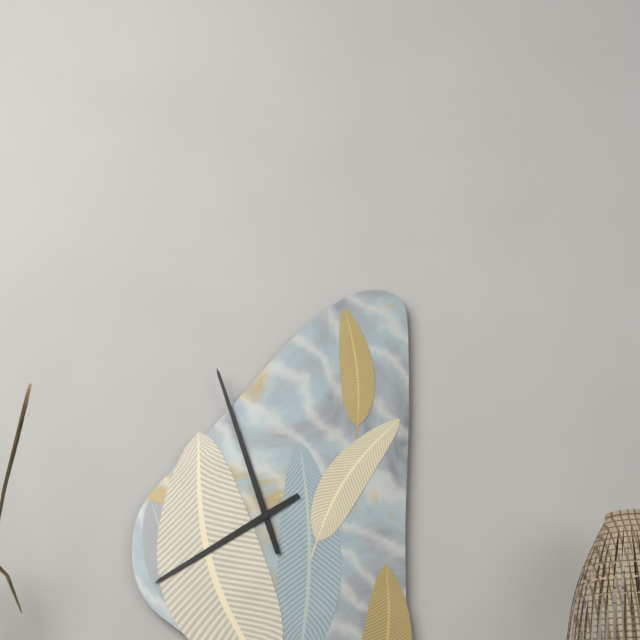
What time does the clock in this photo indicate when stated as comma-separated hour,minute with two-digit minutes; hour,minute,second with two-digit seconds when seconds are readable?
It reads 7,57
